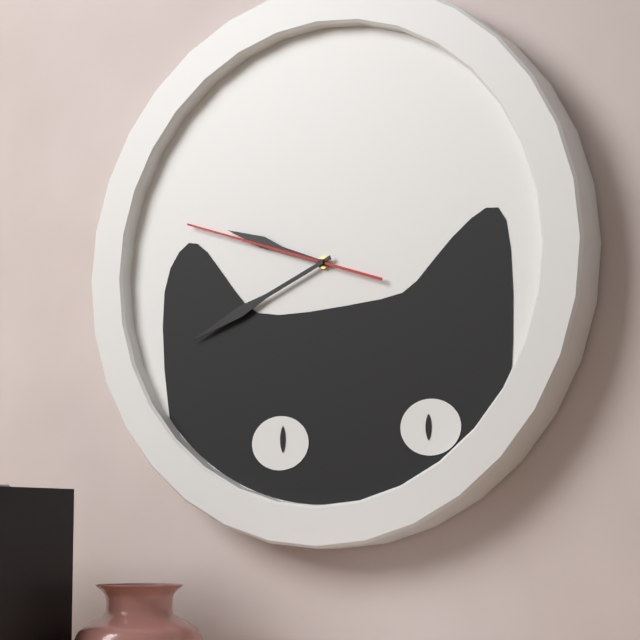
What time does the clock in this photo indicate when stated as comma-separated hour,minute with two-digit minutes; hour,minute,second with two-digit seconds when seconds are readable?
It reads 9,41,48
